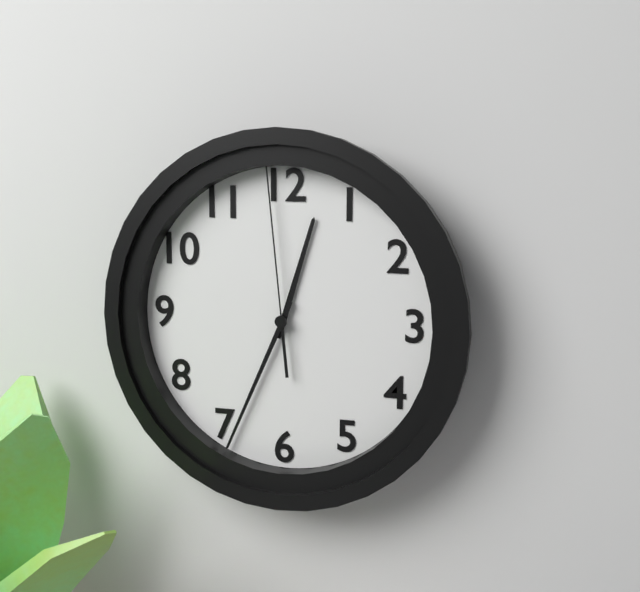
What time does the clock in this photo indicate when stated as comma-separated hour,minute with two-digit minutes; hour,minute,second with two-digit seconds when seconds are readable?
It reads 12,34,59
